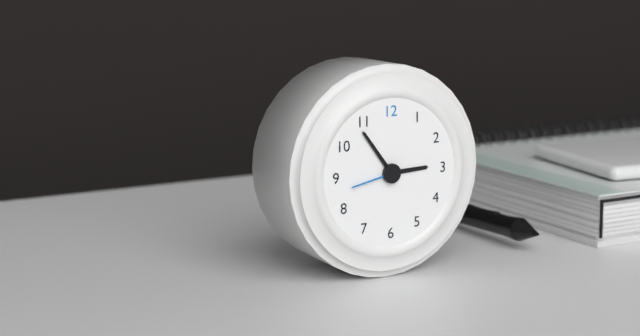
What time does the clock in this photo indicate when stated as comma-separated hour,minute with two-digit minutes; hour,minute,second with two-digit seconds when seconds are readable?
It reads 2,54,43
